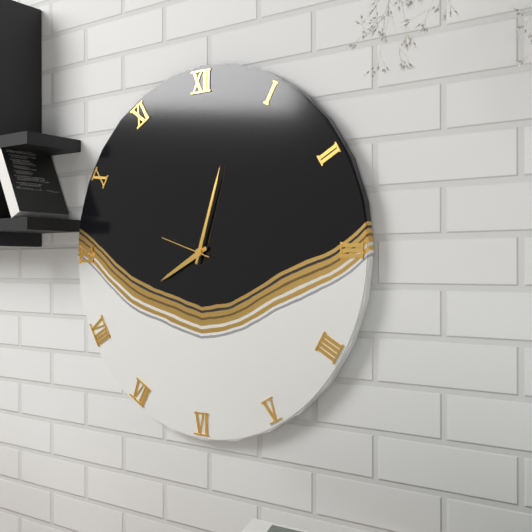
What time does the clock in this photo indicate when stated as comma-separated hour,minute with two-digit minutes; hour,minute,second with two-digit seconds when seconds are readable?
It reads 8,03,48
